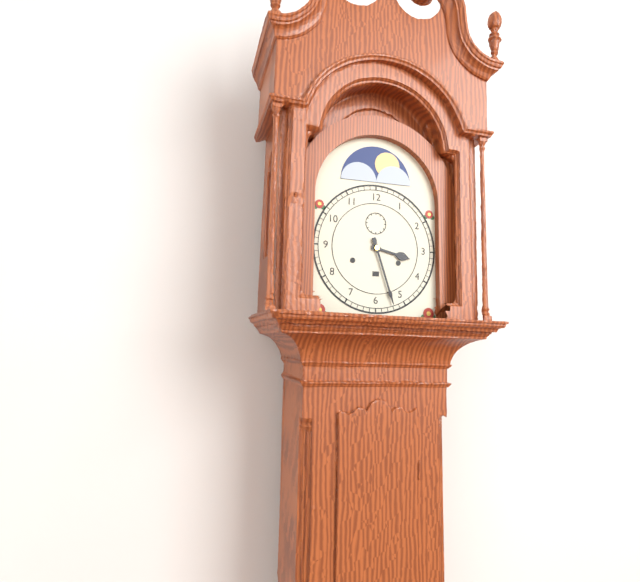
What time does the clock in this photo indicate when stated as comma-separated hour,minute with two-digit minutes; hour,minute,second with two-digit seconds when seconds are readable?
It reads 3,27
